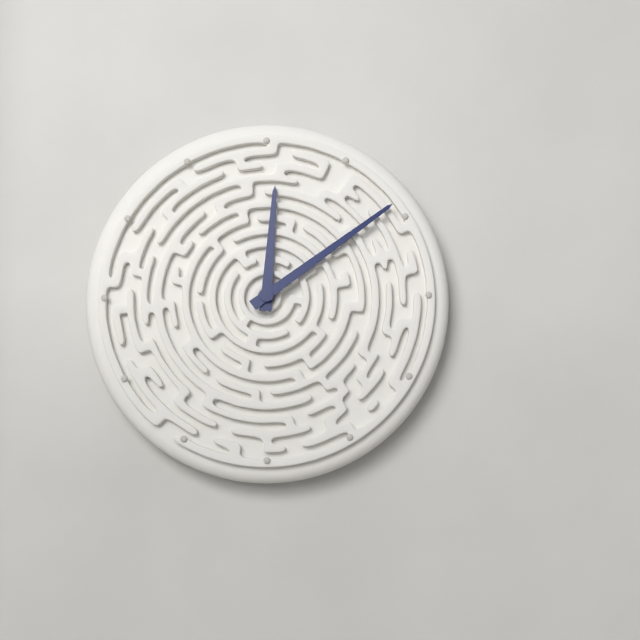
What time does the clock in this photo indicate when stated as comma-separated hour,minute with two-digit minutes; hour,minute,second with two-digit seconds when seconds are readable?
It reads 12,09
